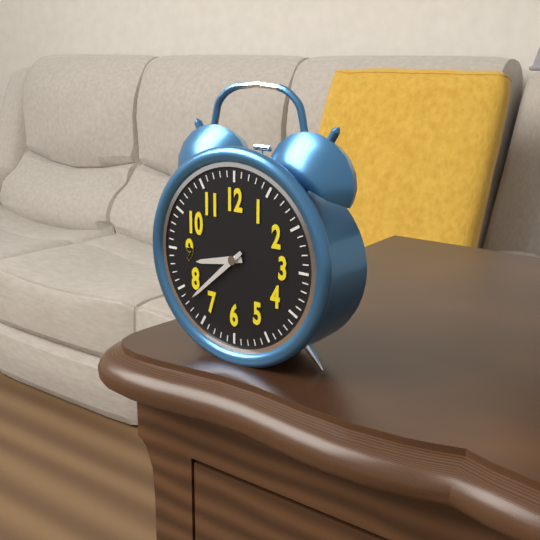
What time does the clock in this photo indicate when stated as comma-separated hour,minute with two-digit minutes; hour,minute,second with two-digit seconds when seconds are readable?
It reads 8,38
